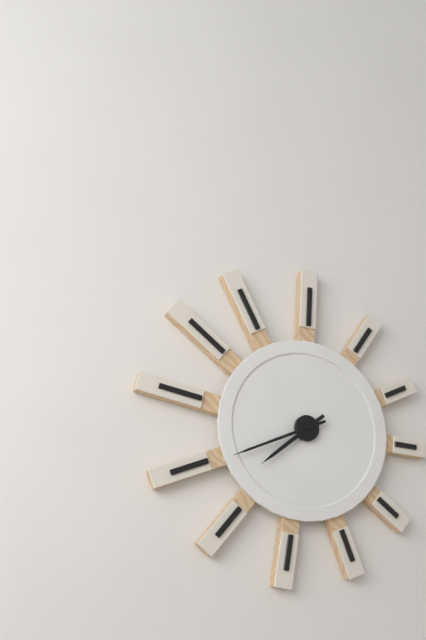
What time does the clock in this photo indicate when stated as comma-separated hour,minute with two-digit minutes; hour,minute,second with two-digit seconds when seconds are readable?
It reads 7,41
